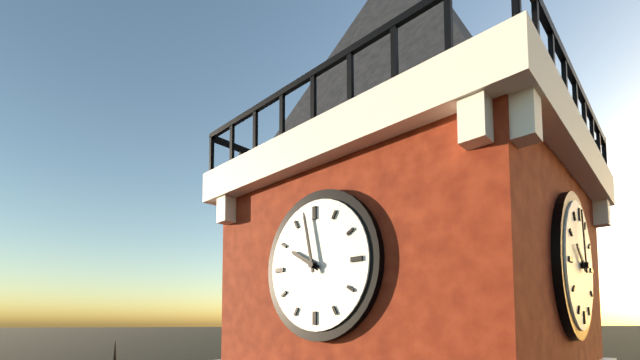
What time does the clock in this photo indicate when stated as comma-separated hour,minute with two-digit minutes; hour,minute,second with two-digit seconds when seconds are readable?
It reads 9,58
